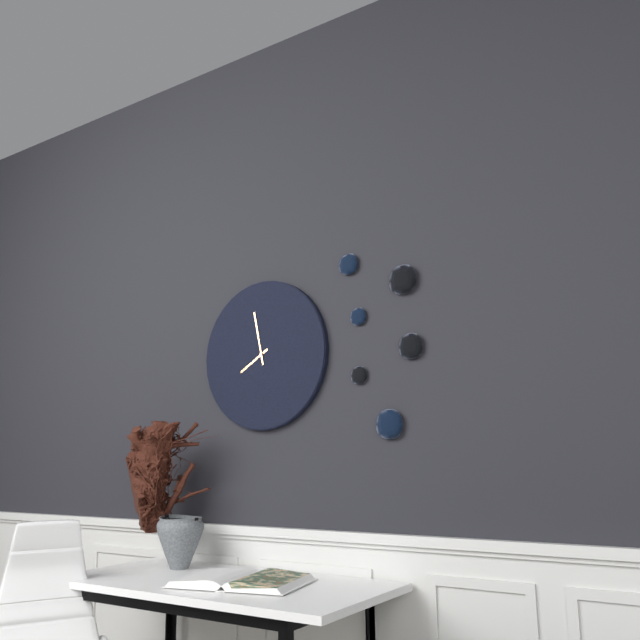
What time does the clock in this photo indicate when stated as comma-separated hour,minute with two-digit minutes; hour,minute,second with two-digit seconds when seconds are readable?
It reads 7,58
